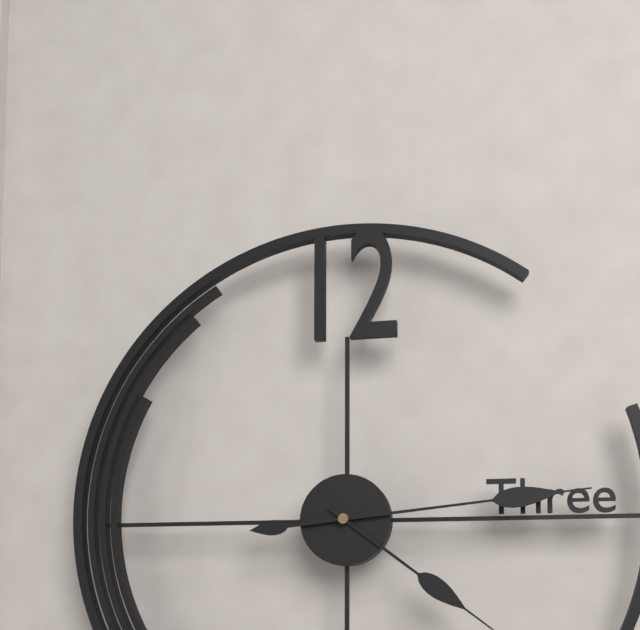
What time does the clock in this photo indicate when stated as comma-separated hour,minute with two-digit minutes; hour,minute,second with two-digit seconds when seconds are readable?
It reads 4,14
